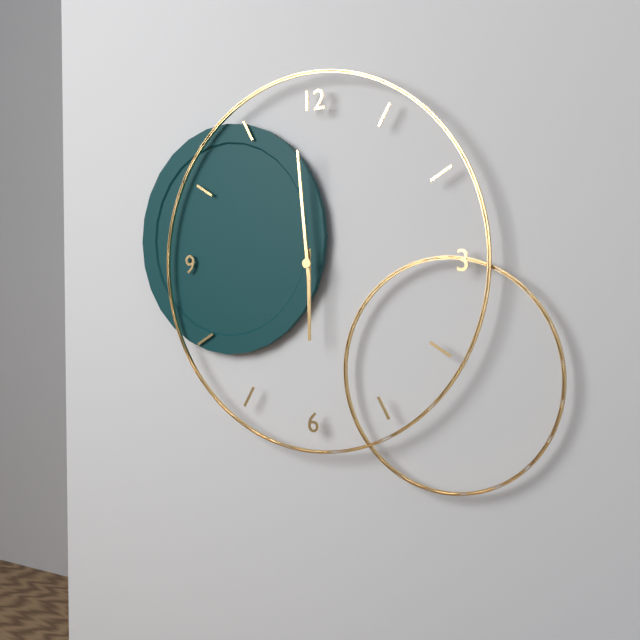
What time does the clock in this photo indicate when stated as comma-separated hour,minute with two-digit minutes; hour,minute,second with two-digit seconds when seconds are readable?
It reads 5,59
